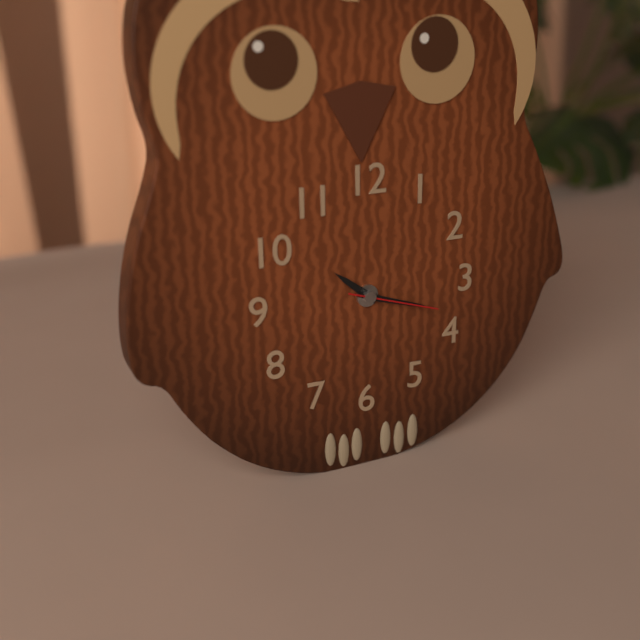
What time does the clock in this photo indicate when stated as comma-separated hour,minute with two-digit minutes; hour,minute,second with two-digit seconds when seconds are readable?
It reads 10,18,18
